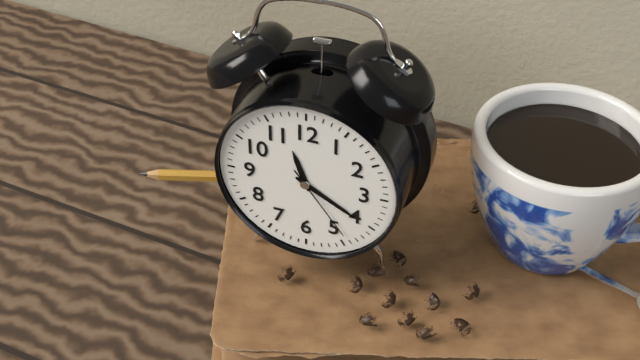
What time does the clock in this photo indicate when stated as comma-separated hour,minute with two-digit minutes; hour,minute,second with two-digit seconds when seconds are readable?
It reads 11,20,24
